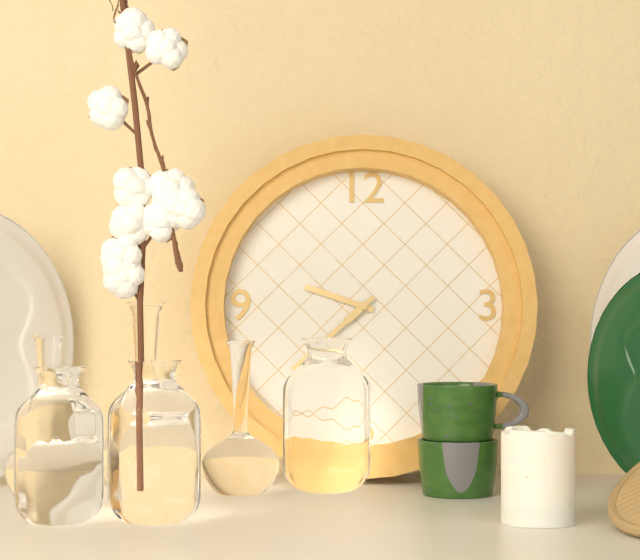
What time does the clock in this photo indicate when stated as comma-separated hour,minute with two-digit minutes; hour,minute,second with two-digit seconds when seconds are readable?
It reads 9,38
